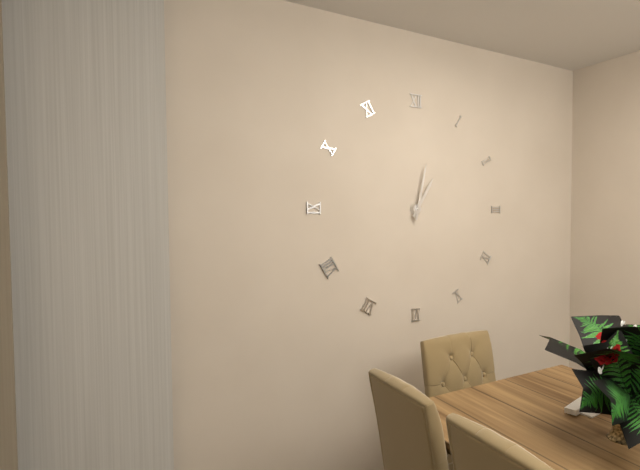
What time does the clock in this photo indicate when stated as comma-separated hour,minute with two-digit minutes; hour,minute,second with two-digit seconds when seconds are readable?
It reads 1,02
